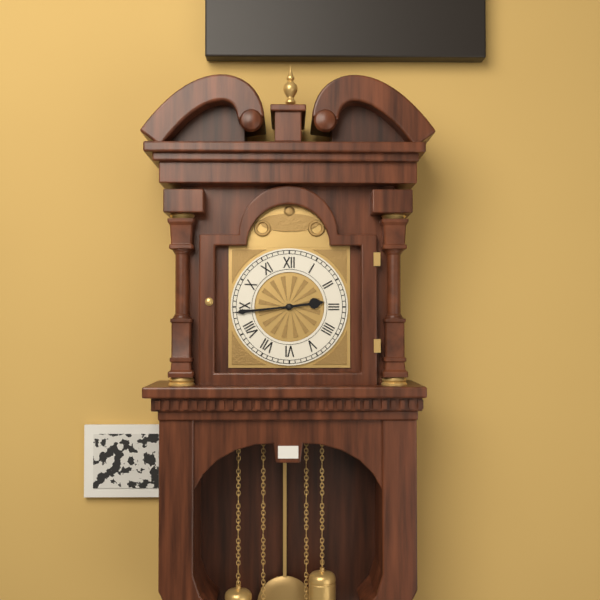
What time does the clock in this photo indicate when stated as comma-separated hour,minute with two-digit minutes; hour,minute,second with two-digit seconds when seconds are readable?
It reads 2,44
